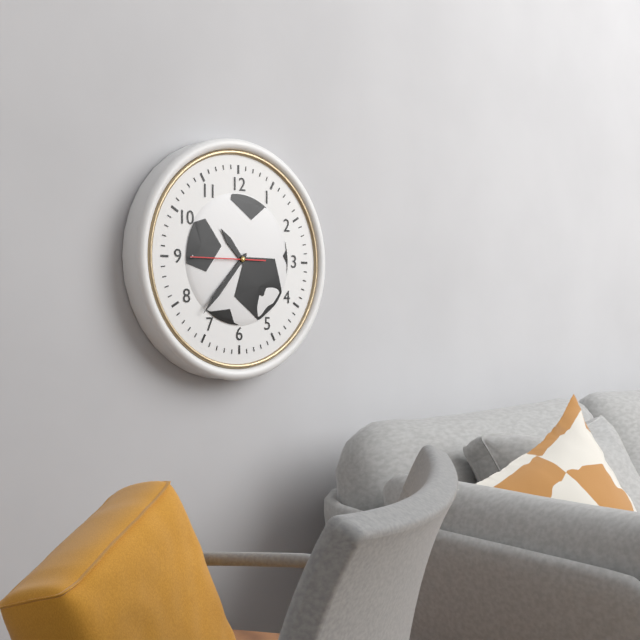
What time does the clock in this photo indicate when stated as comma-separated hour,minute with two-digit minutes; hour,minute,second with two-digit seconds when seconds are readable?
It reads 10,37,45
